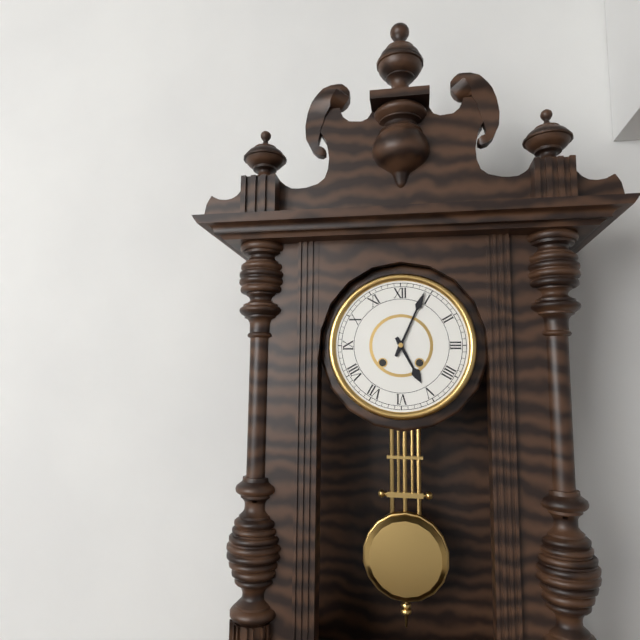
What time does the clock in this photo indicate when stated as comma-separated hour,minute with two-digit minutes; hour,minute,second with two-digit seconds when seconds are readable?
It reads 5,04
